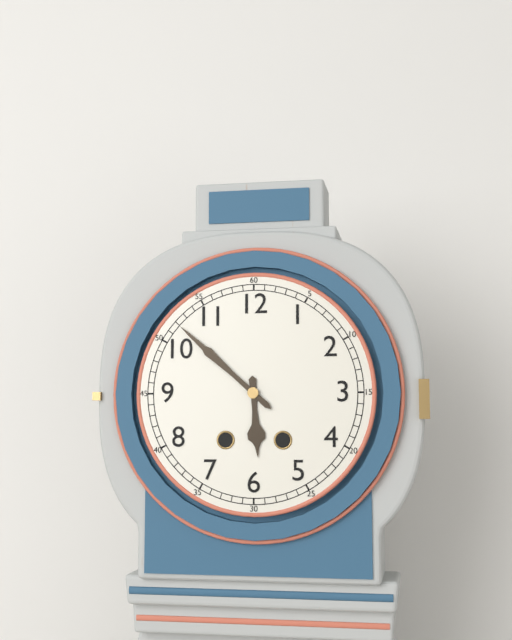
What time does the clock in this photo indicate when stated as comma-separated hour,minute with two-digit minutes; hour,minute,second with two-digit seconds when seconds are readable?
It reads 5,52
